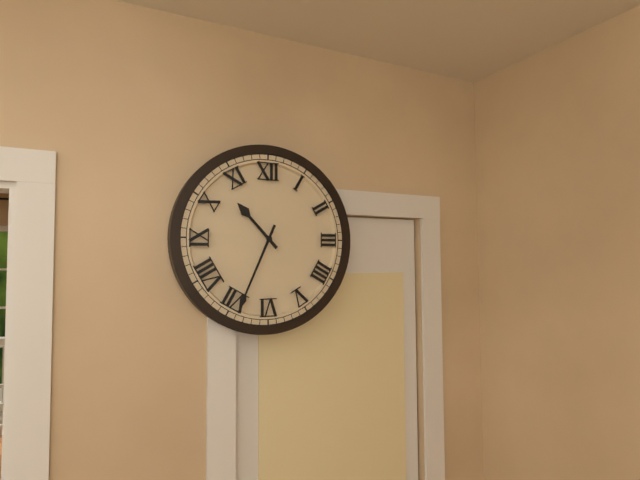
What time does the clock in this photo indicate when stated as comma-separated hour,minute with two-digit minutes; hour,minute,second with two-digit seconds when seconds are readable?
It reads 10,34
